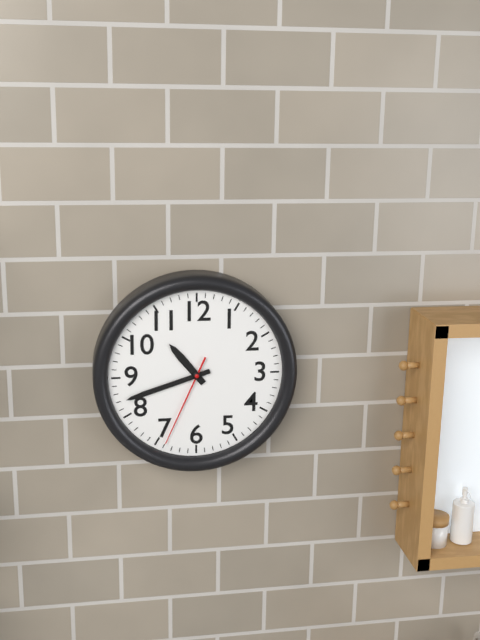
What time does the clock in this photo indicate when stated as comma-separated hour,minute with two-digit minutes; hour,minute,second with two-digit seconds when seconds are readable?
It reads 10,42,34
